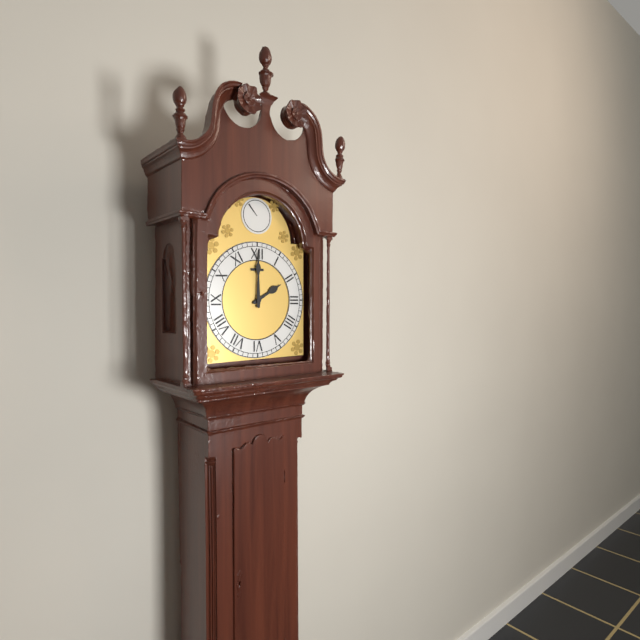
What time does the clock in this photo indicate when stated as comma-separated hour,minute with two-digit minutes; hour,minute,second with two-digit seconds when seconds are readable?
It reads 2,00
